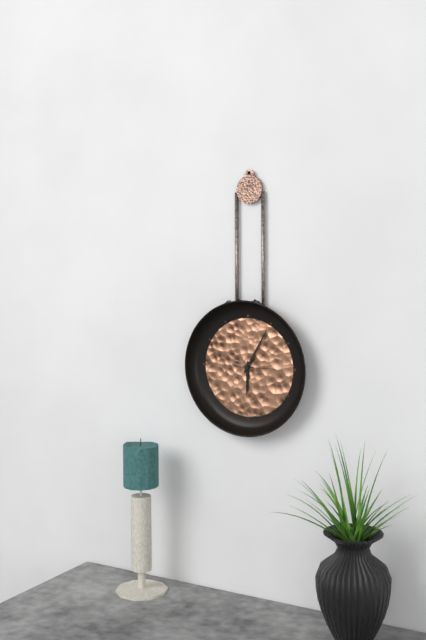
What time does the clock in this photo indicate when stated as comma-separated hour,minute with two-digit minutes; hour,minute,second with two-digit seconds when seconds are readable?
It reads 6,05
